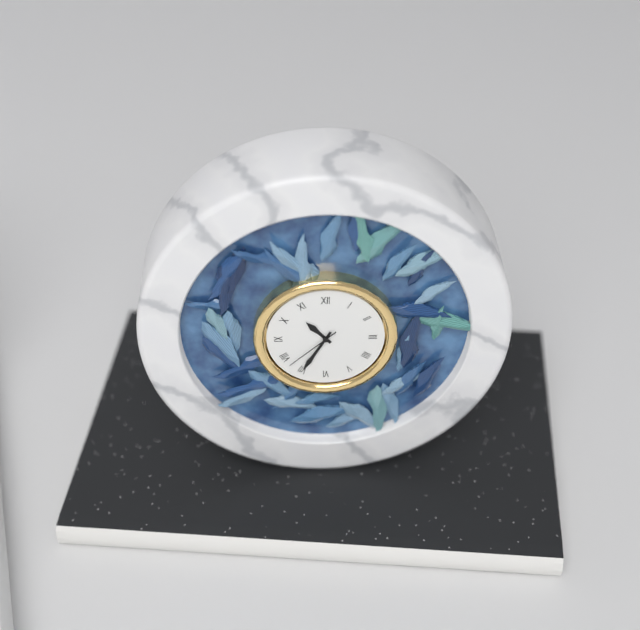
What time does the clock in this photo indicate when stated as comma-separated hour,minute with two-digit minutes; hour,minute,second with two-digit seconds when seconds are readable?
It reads 10,35,38
